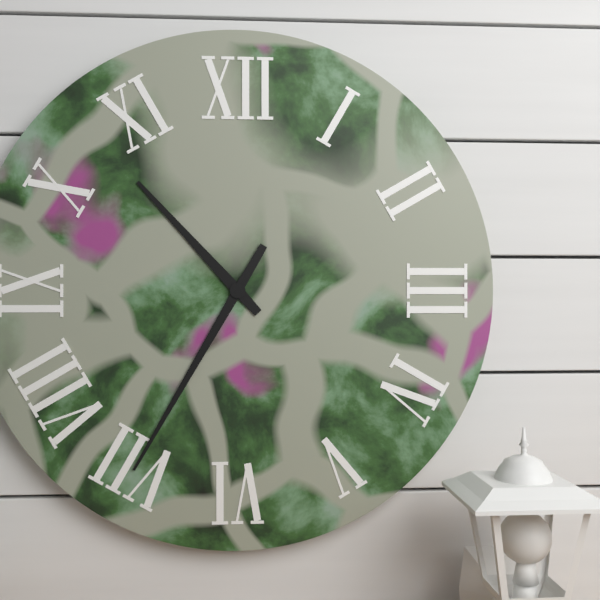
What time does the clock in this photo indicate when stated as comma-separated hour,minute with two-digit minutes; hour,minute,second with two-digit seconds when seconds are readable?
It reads 10,35
